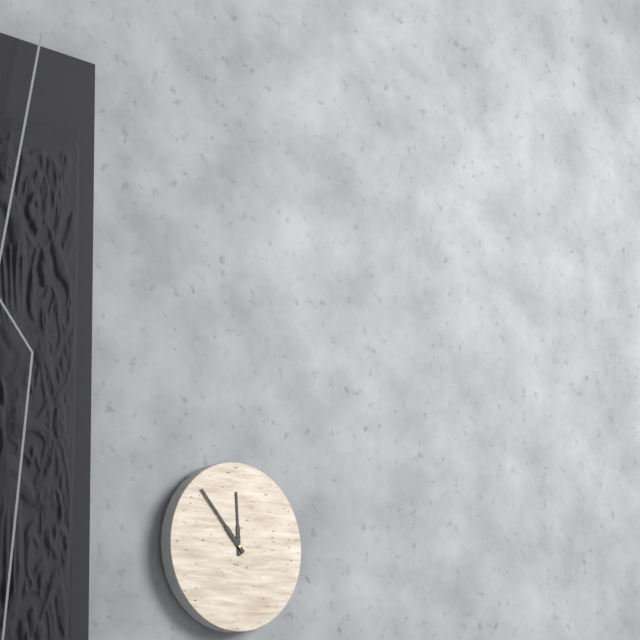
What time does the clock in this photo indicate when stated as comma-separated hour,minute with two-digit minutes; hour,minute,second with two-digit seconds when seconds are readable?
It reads 11,53
